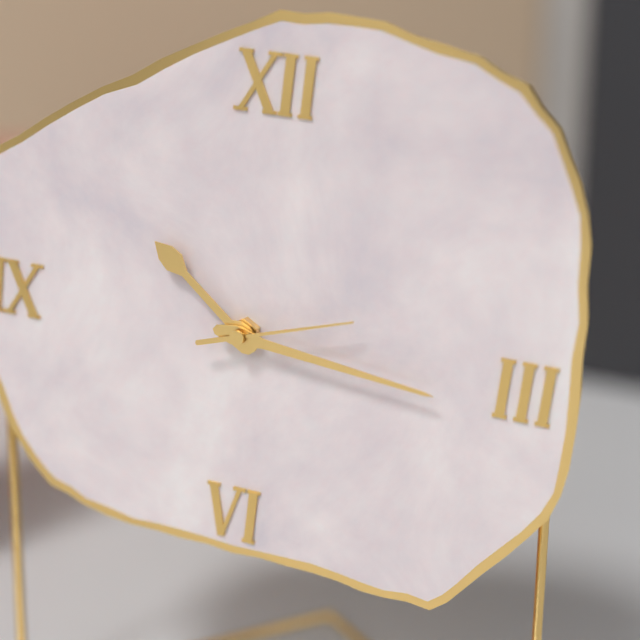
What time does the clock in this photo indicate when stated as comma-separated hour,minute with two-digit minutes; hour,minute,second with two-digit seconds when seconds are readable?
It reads 10,16,12
